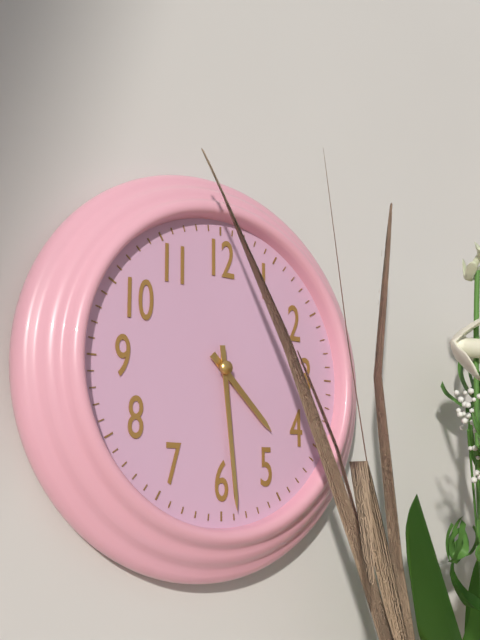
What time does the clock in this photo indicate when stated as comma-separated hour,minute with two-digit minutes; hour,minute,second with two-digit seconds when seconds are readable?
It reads 4,29
